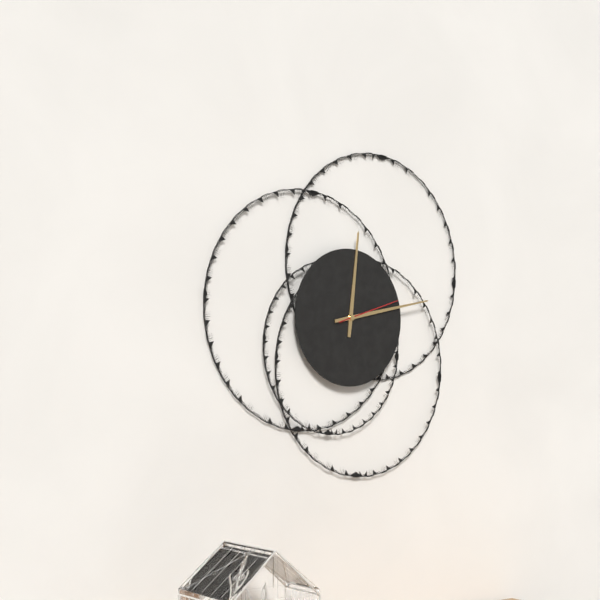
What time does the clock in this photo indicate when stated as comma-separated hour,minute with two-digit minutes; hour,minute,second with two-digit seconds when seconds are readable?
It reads 12,13,12
